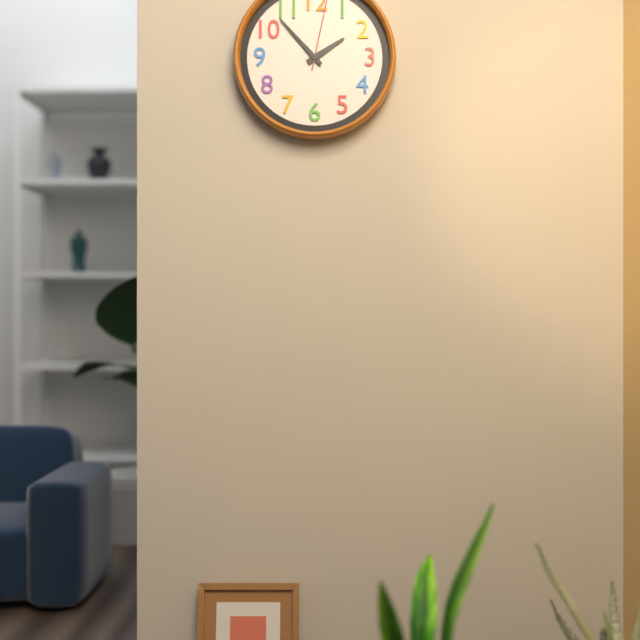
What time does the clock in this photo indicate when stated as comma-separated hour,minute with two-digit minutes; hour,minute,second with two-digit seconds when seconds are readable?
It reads 1,53
